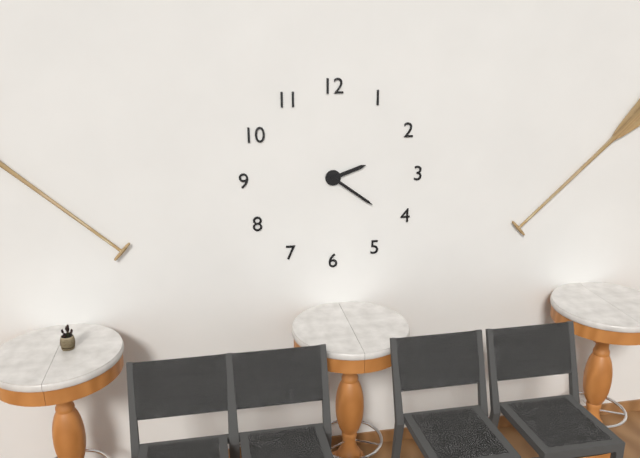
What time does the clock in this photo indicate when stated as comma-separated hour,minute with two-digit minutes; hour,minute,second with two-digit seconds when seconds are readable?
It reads 2,21
